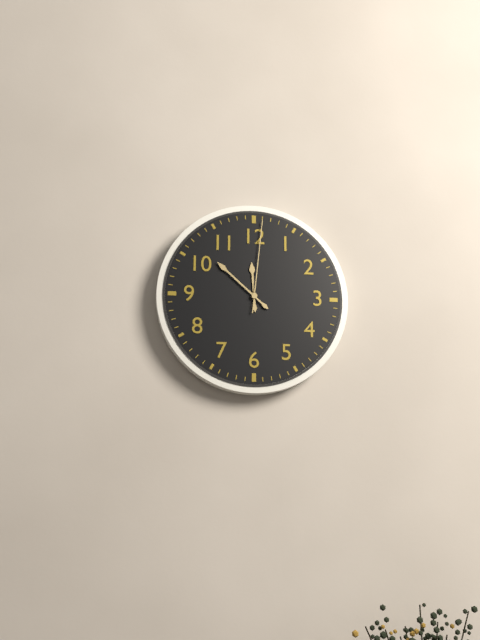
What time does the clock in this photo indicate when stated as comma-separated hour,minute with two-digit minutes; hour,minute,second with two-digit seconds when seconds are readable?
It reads 11,52,01
